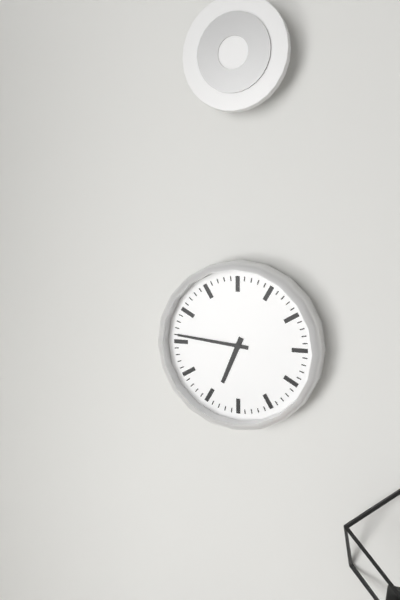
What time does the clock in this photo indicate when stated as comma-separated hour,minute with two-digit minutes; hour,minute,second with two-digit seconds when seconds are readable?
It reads 6,46
